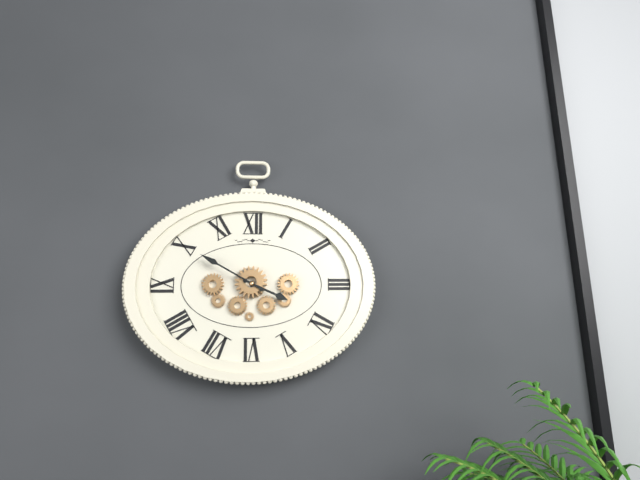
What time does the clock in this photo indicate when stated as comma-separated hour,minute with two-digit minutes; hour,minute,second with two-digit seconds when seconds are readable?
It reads 3,50
